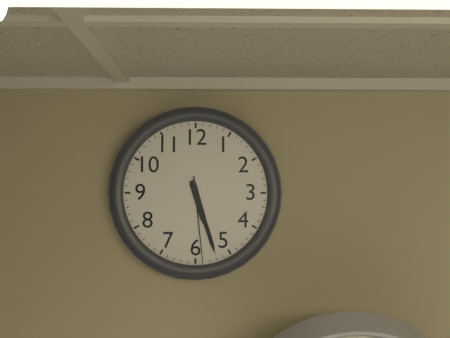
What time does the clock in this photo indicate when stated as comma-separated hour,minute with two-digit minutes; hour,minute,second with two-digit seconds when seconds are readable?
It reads 5,27,29
